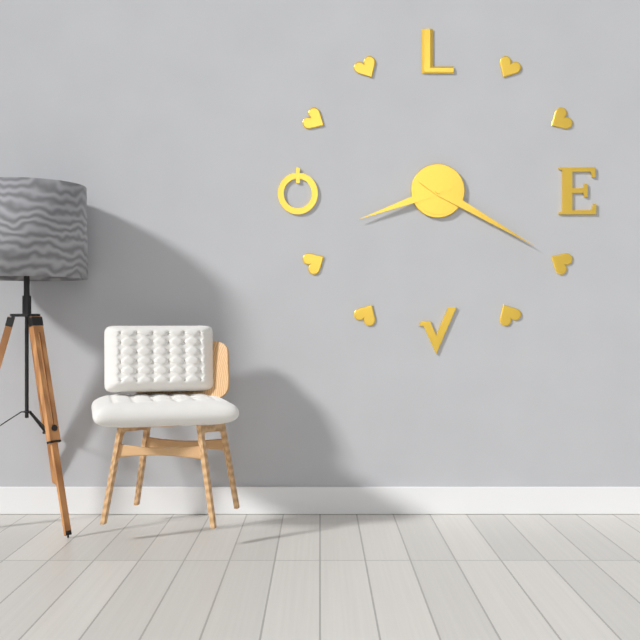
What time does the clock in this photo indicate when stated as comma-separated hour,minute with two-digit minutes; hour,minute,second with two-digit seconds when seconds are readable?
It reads 8,20
